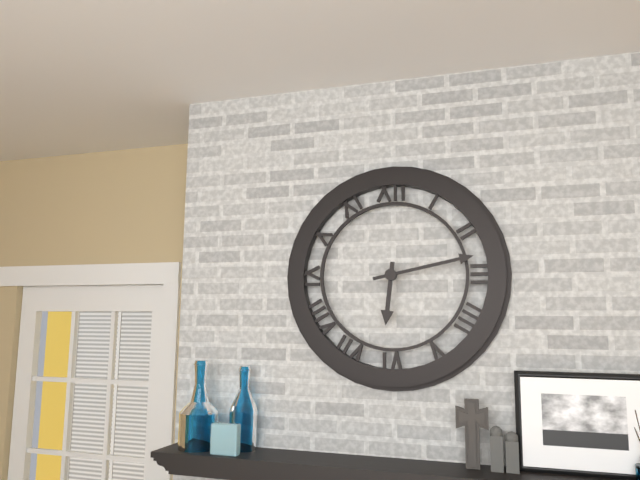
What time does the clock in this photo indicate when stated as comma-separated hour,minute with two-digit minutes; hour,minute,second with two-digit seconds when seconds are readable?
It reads 6,13
